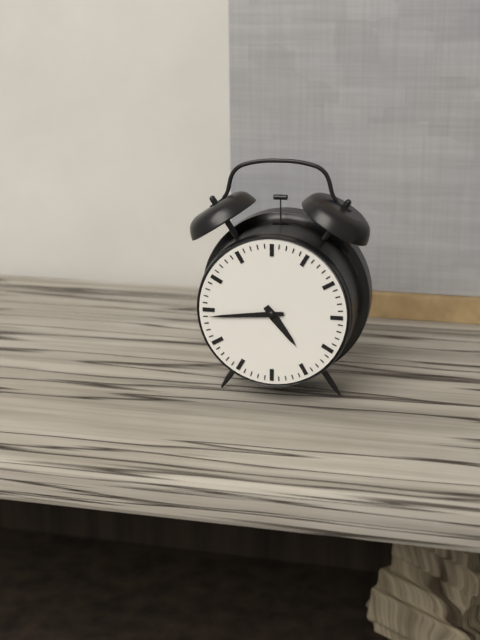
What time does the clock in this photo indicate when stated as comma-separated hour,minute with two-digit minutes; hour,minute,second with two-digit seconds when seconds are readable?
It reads 4,44
